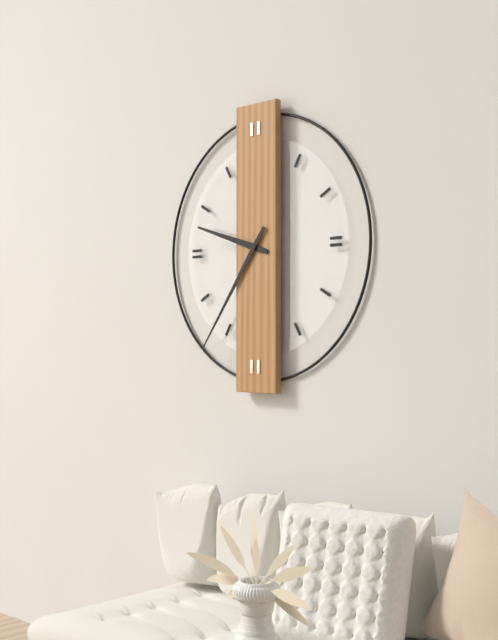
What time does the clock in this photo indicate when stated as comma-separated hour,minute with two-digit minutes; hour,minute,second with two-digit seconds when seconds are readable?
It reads 9,36
